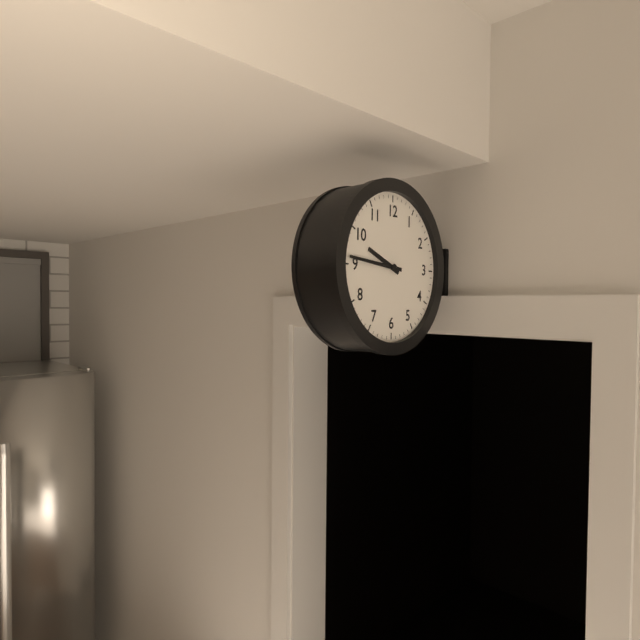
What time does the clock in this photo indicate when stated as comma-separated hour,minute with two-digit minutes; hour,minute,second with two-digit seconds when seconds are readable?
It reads 9,46
